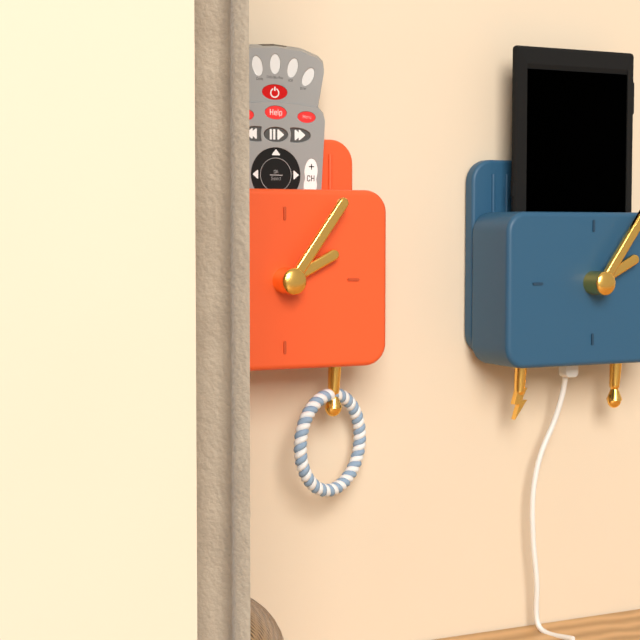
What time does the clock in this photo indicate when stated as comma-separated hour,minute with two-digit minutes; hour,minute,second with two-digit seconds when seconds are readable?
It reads 2,06
